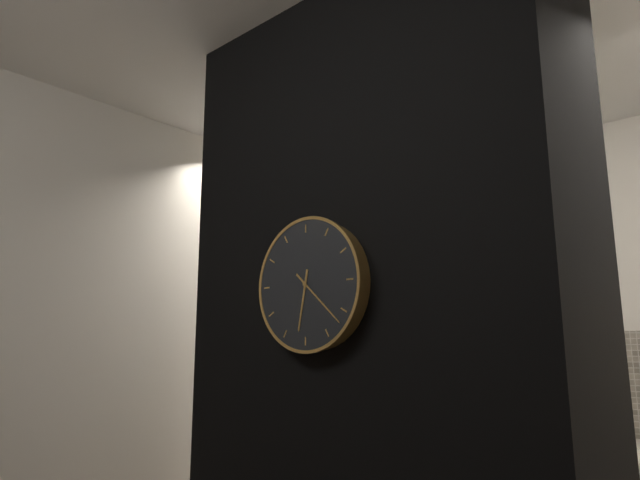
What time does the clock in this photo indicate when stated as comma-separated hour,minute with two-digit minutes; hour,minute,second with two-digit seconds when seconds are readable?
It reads 6,22
